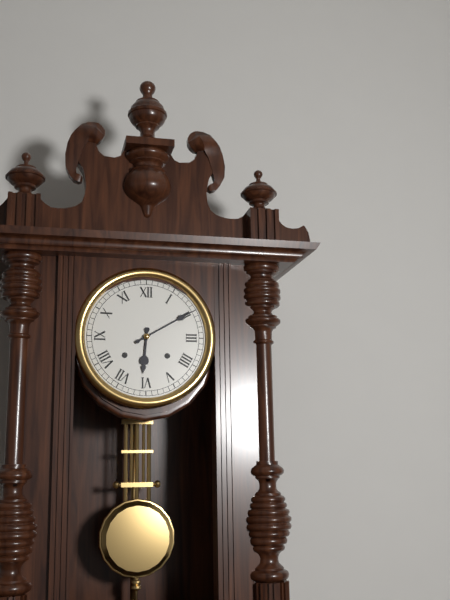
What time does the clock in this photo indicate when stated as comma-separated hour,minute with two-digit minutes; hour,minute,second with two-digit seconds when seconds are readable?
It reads 6,10
